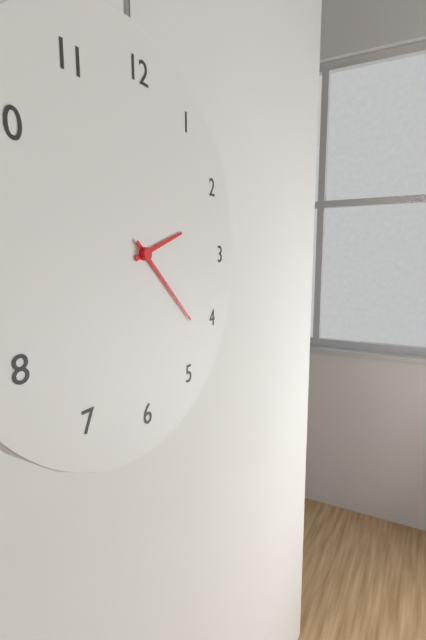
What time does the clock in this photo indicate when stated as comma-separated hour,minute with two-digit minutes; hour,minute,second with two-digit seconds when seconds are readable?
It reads 2,22
